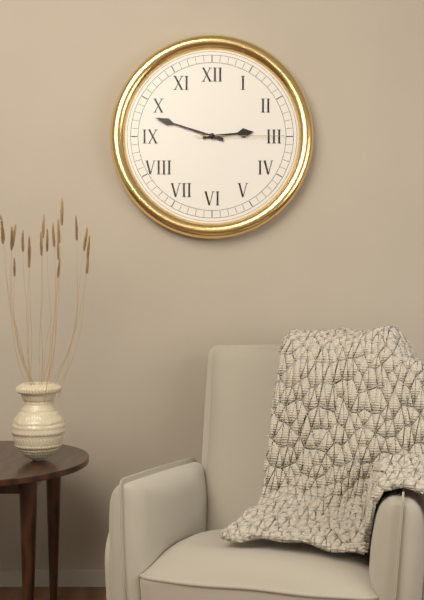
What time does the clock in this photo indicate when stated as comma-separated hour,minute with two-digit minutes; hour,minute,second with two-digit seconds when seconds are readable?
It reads 2,48,15
